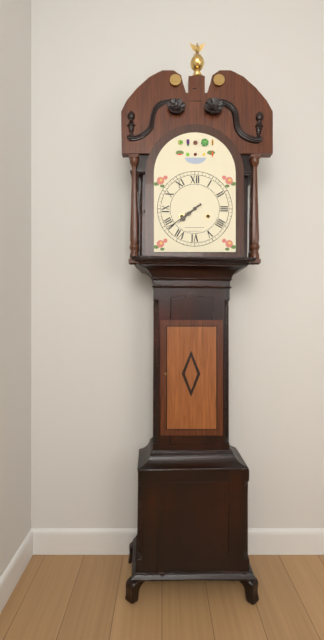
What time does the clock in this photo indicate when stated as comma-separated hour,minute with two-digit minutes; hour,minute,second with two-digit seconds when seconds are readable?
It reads 7,39
